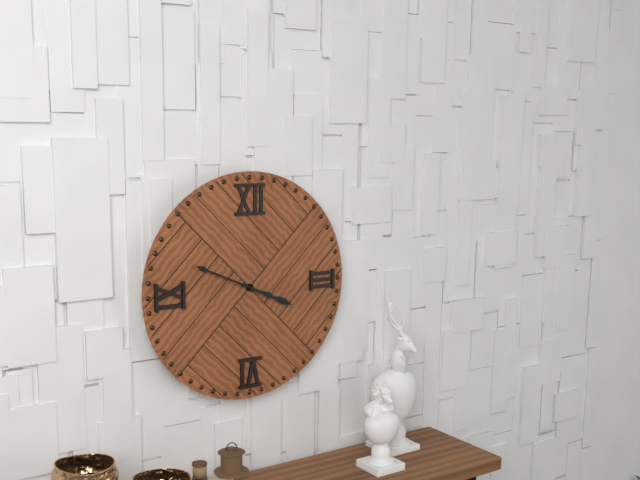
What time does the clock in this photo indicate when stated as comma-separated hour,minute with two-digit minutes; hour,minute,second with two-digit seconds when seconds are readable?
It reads 3,49
